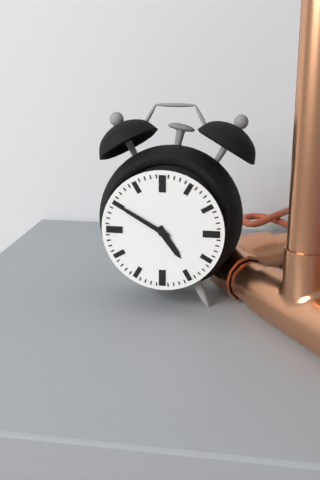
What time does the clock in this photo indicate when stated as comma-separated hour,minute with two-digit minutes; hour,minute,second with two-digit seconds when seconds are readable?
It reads 4,50
